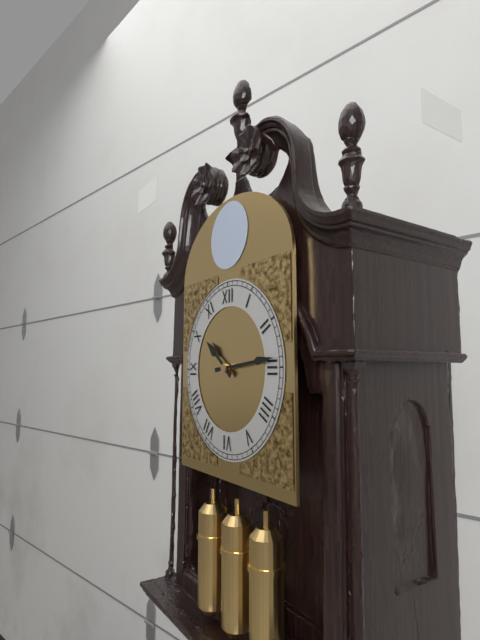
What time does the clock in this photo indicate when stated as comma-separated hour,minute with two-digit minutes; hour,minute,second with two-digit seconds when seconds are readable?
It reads 10,14
